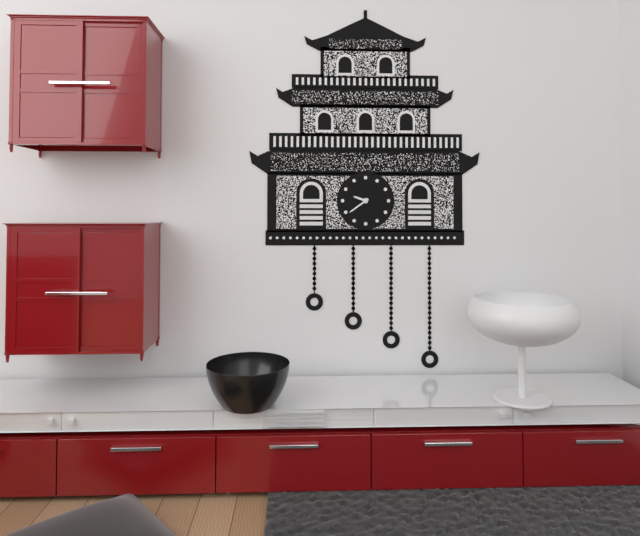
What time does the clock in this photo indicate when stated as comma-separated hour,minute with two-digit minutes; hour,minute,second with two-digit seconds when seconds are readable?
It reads 9,39
